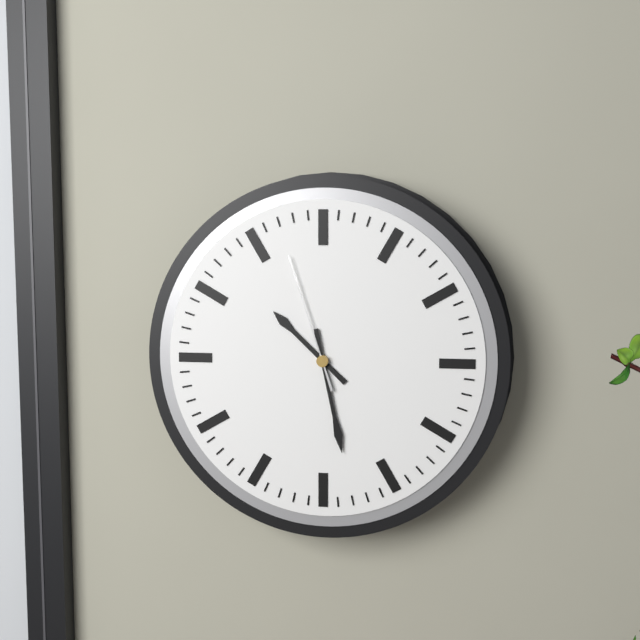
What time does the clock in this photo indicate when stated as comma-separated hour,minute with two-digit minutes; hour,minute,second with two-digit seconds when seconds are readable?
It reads 10,28,57
